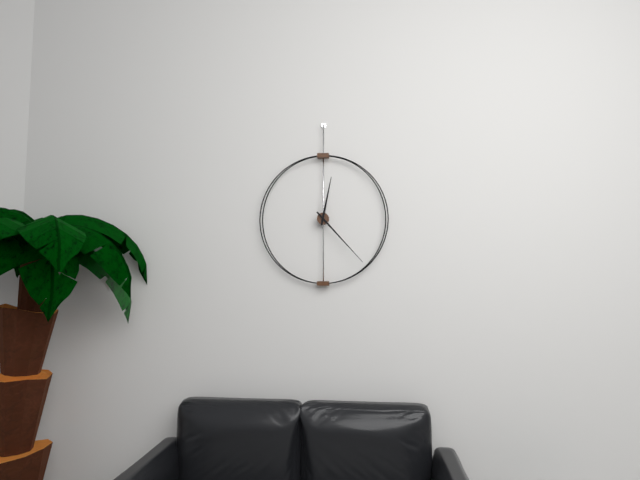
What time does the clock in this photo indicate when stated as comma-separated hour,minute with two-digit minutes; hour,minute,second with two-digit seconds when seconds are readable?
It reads 12,23
